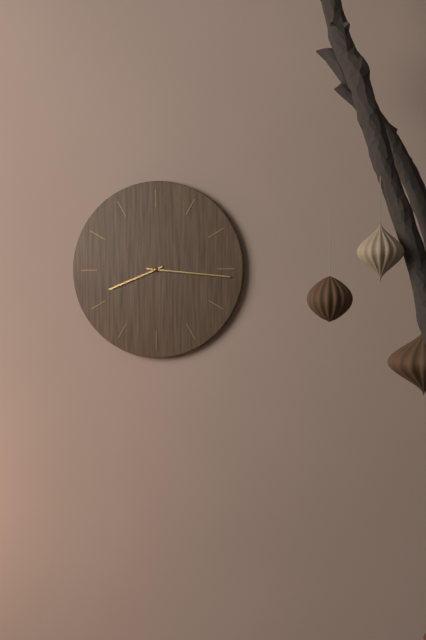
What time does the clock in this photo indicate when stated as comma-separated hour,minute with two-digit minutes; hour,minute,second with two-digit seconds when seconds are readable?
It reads 8,16
